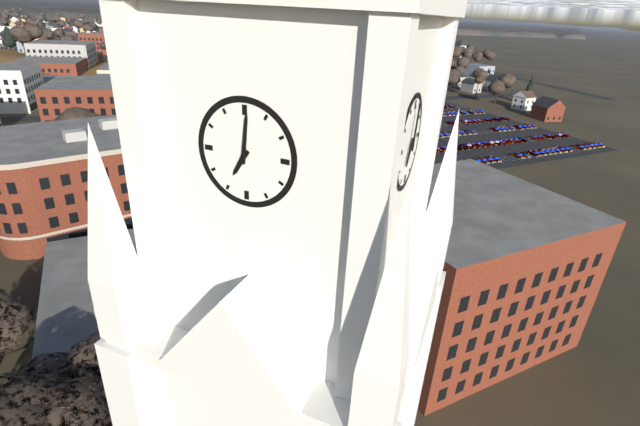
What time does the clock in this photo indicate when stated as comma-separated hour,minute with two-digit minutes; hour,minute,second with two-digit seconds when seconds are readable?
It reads 7,01
